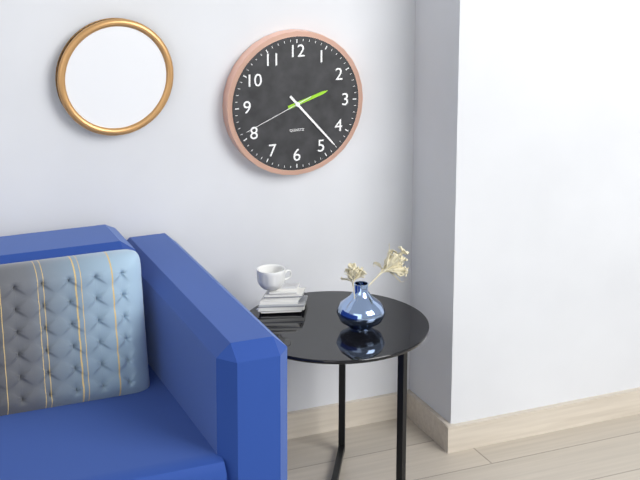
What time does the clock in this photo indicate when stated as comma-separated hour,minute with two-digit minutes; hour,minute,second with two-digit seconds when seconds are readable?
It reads 2,23,41
